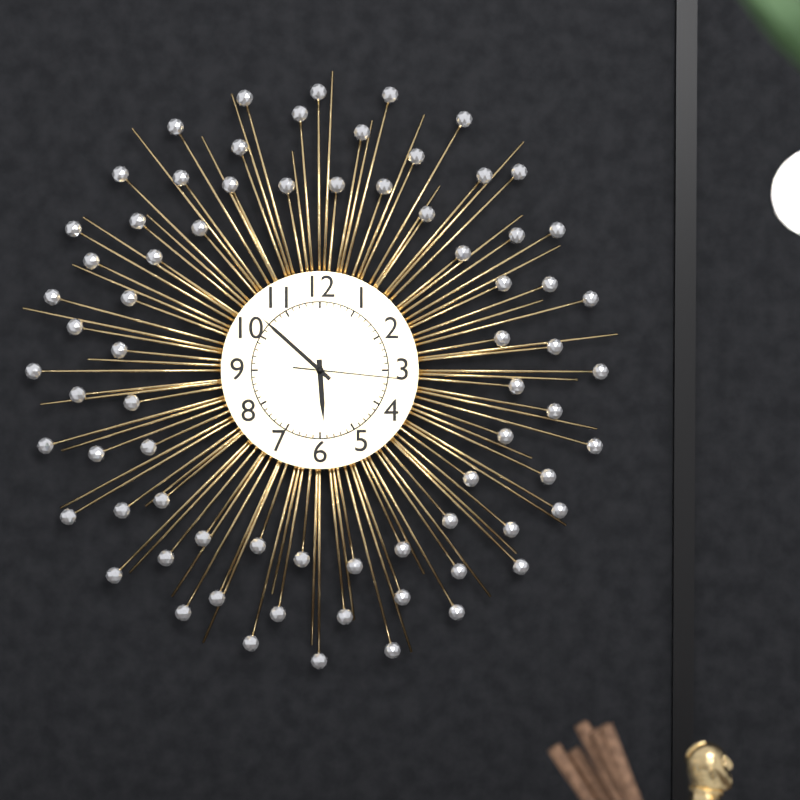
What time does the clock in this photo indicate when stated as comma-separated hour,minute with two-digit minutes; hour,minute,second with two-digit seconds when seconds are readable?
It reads 5,52,16
